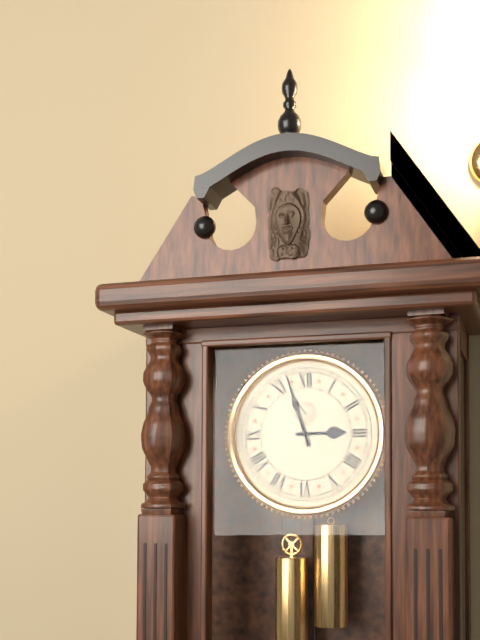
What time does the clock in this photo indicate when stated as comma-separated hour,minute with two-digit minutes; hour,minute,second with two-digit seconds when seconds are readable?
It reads 2,57
